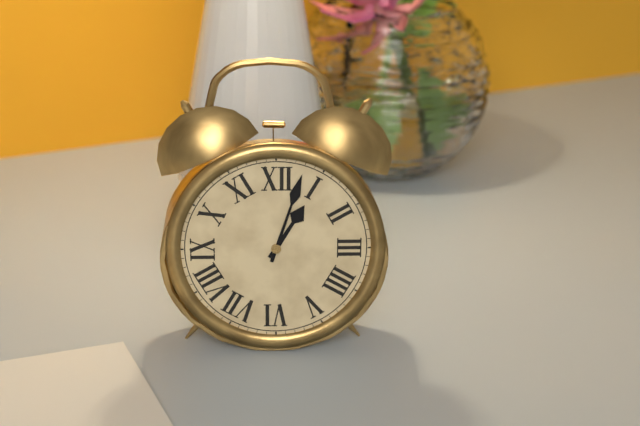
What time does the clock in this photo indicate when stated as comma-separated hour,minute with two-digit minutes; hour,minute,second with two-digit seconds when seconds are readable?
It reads 1,03
